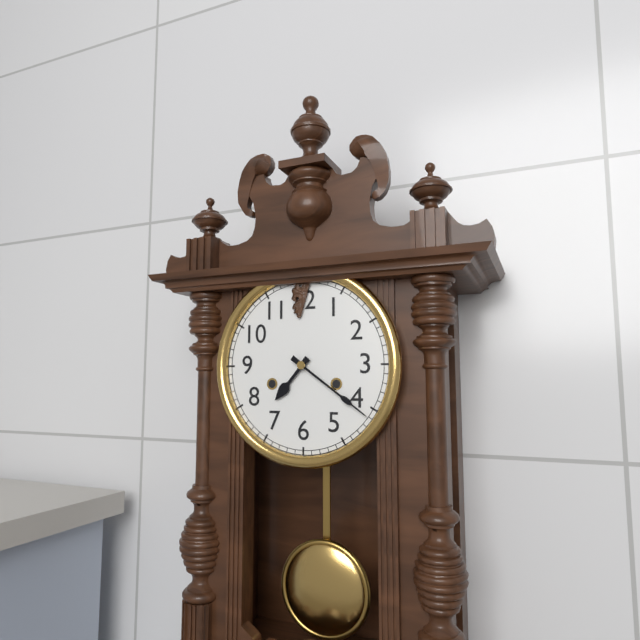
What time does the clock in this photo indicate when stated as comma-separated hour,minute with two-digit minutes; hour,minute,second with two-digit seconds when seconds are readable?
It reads 7,21
